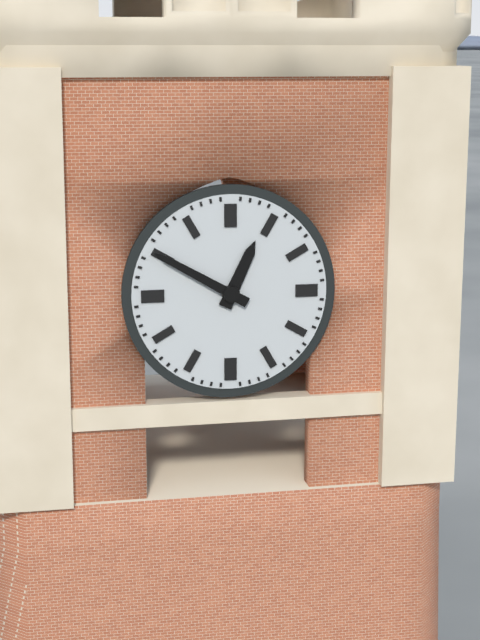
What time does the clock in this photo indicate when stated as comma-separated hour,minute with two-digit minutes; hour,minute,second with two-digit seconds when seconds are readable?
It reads 12,50
